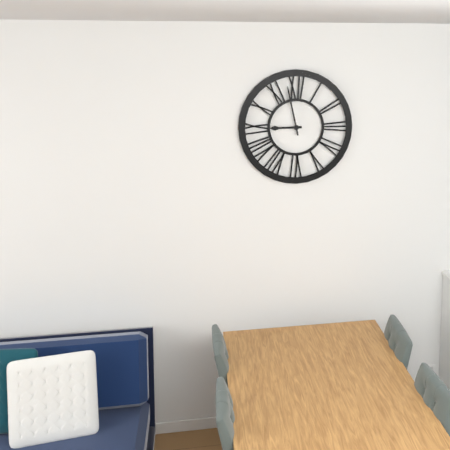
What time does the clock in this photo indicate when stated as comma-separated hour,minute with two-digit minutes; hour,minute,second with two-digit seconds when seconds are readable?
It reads 8,58
